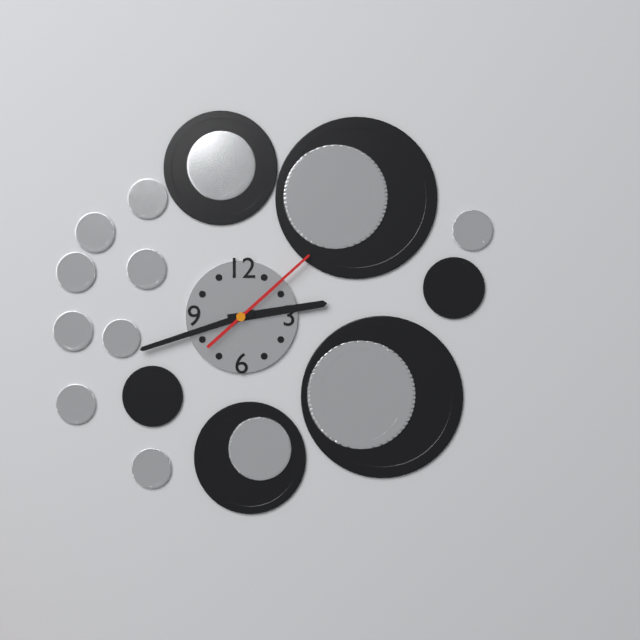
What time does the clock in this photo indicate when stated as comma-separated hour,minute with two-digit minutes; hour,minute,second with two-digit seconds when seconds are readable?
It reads 2,42,08
